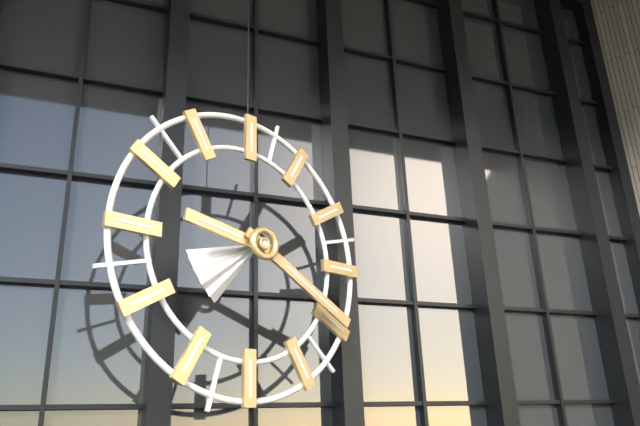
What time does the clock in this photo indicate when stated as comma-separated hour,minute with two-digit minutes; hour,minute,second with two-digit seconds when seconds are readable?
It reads 9,20
